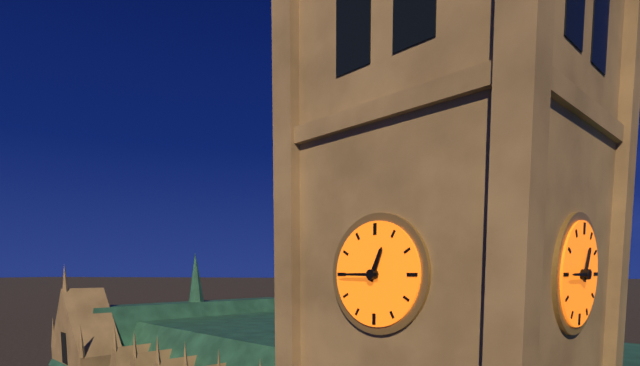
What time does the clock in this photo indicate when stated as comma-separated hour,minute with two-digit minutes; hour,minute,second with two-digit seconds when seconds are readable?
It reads 12,45
